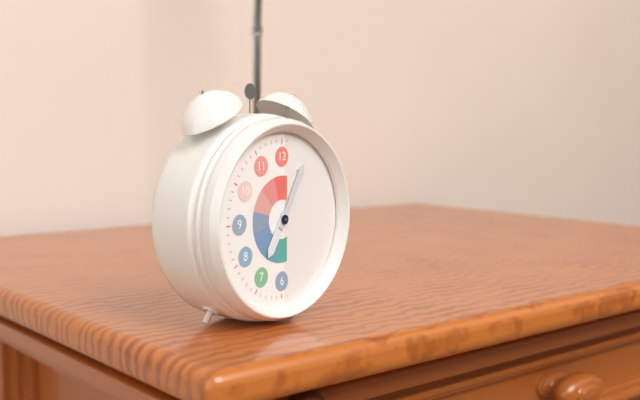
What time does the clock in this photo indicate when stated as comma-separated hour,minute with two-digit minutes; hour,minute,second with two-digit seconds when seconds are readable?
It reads 7,05
